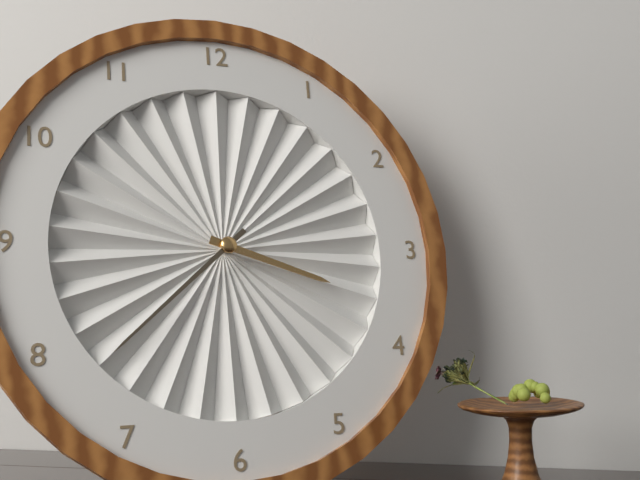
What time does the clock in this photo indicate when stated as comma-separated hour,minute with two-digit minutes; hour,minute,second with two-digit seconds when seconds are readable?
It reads 3,38
